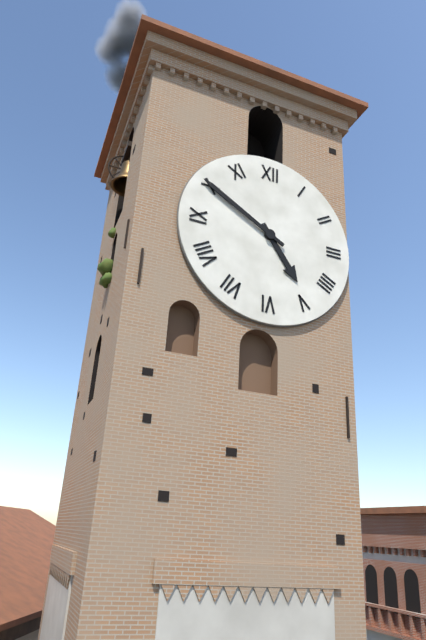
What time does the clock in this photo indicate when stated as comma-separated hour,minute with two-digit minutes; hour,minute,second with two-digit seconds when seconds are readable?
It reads 4,50
